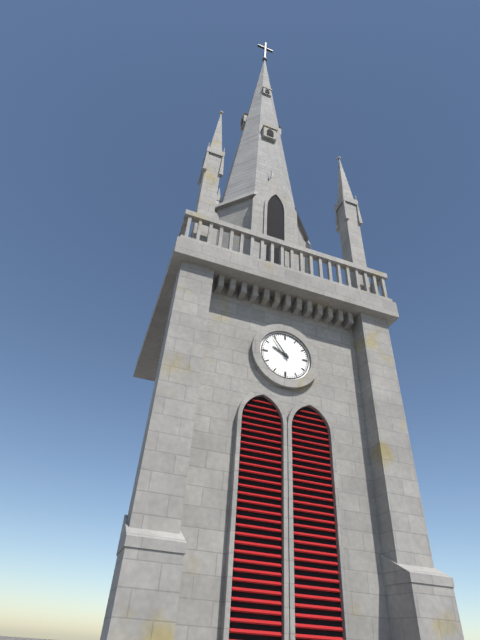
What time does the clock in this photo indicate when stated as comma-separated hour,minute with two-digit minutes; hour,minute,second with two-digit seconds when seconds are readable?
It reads 9,54
